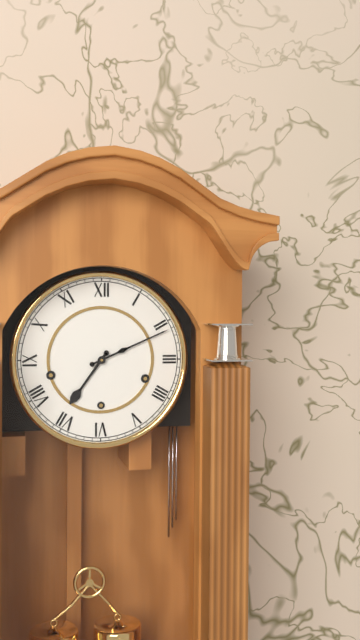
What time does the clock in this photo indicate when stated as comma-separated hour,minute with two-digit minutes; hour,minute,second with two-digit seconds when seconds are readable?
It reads 7,11
